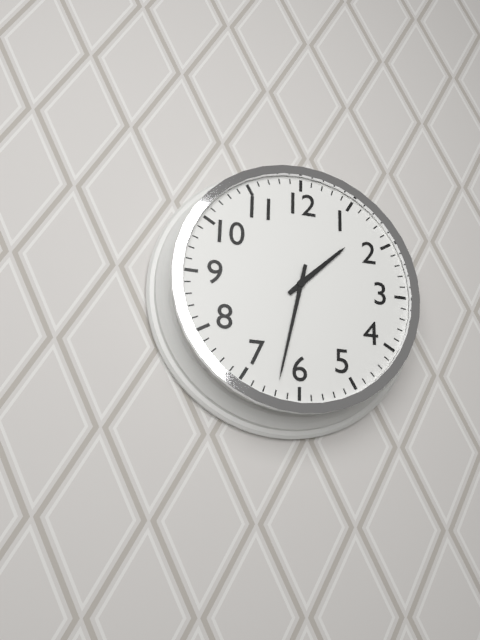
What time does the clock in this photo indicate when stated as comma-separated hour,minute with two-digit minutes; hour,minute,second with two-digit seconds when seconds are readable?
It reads 1,32
